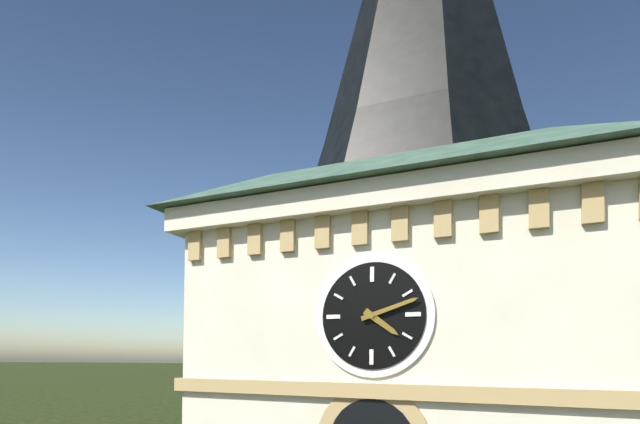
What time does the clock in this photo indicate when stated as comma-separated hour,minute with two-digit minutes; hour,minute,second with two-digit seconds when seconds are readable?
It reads 4,12
